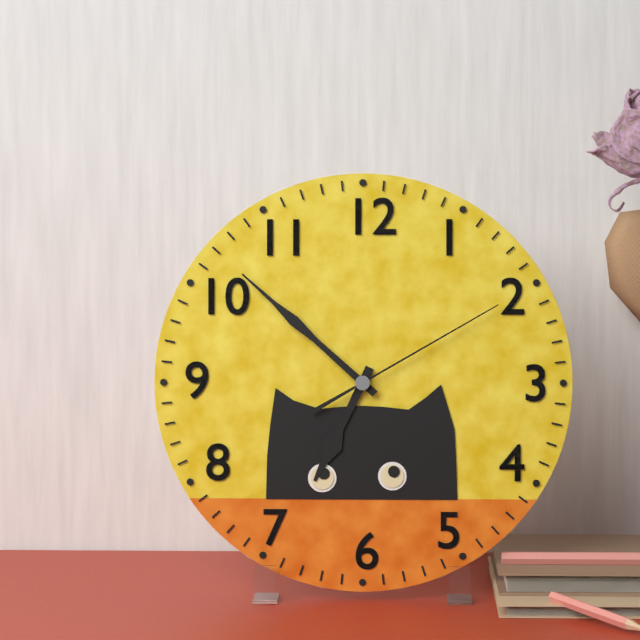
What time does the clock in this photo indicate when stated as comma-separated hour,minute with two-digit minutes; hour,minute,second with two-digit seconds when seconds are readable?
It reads 6,52,10
